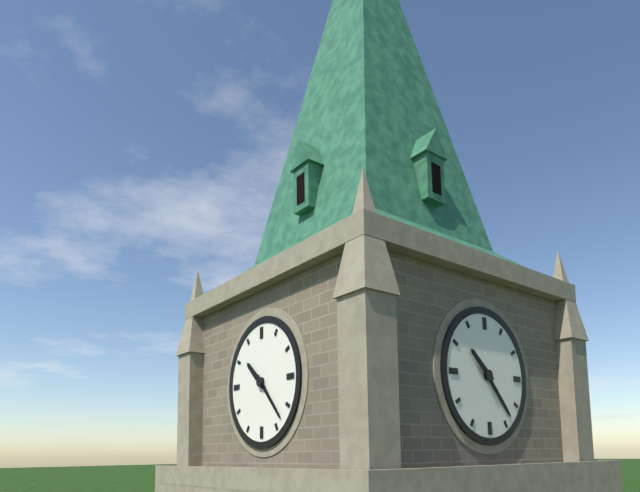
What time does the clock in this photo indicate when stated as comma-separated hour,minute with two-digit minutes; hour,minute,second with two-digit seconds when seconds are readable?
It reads 10,23
